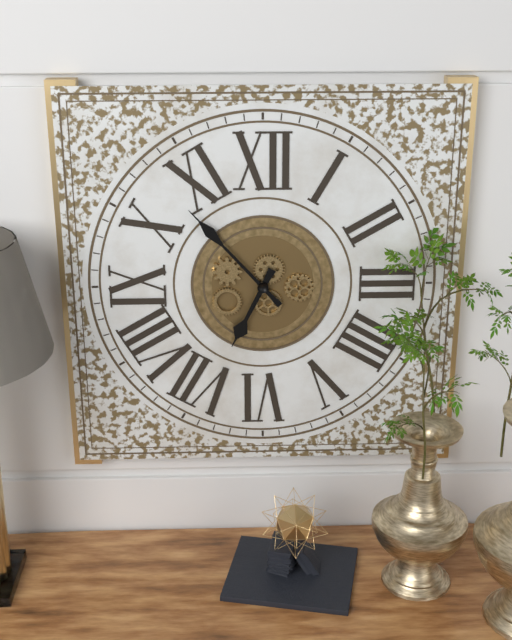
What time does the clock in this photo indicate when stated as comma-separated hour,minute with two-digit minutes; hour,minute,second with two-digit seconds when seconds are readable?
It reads 6,53
